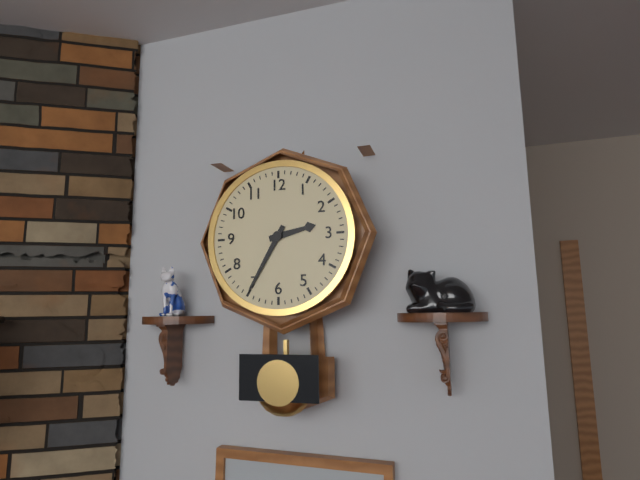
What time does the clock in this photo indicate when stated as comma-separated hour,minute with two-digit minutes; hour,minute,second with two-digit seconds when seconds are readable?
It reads 2,35
